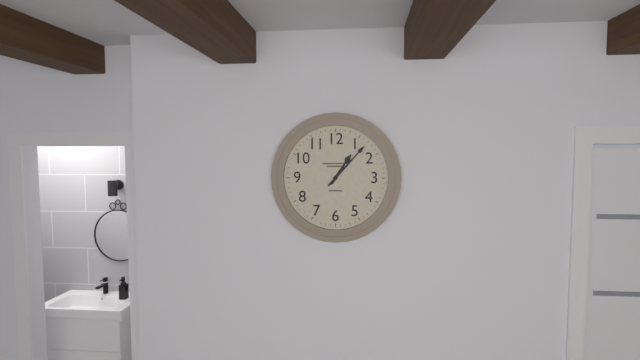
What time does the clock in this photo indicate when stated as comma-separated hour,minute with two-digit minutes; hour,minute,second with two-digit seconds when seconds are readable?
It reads 1,07
